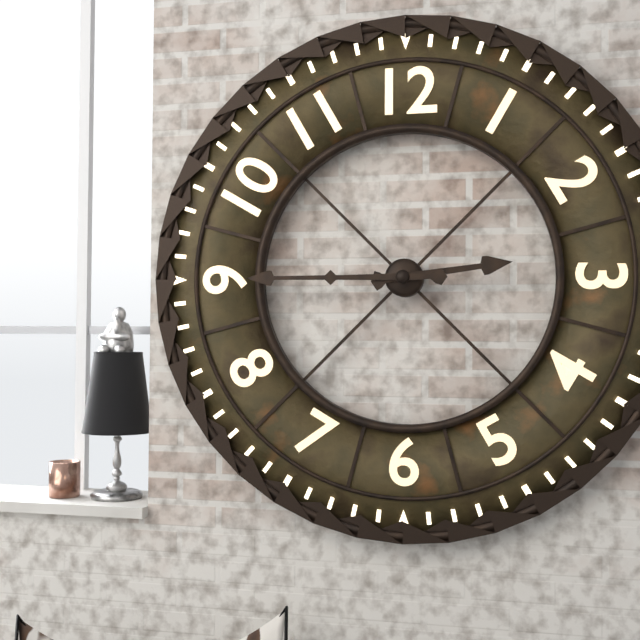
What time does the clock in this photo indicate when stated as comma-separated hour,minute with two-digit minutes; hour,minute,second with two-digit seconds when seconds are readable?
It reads 2,45
